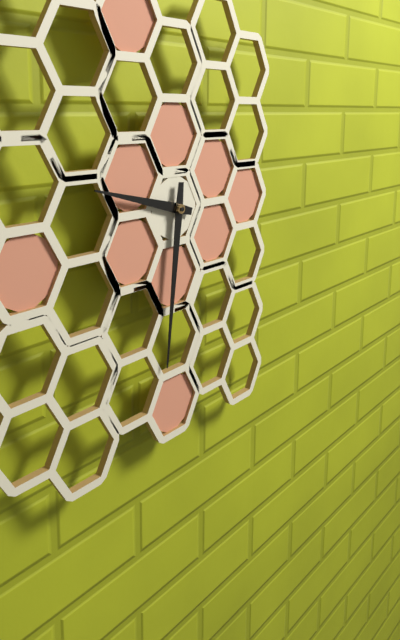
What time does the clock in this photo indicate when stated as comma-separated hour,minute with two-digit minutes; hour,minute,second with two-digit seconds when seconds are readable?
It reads 9,31
